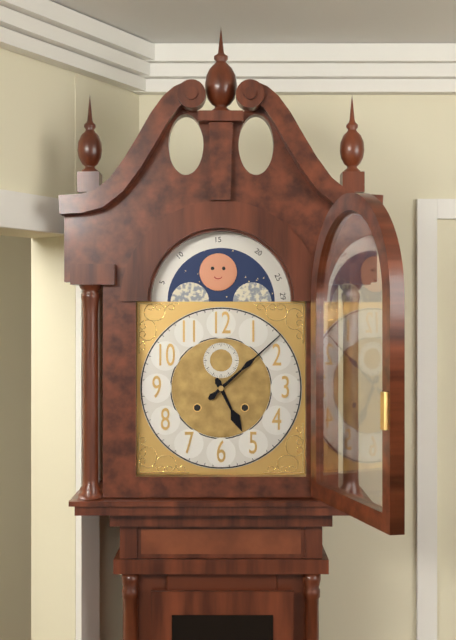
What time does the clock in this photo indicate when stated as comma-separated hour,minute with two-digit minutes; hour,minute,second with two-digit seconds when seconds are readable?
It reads 5,08
